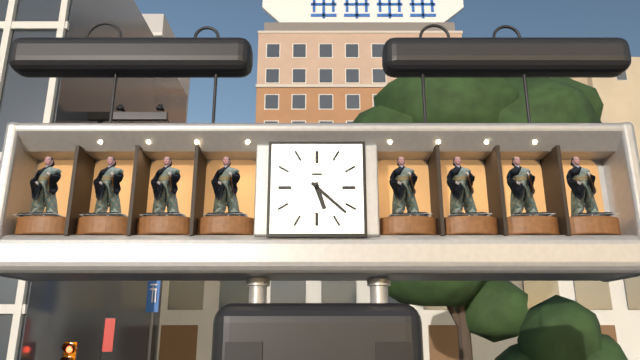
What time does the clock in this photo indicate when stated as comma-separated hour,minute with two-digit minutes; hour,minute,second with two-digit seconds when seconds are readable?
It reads 5,22
